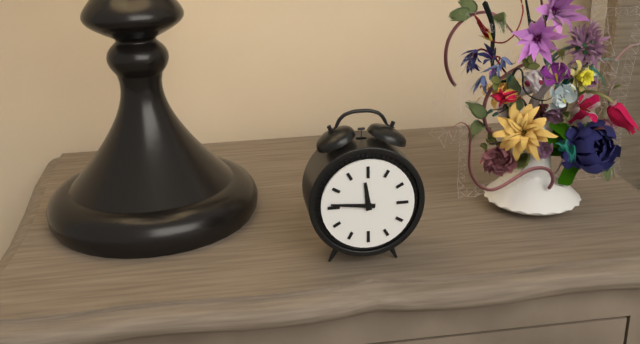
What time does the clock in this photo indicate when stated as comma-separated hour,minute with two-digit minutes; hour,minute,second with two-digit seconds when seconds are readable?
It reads 11,46
